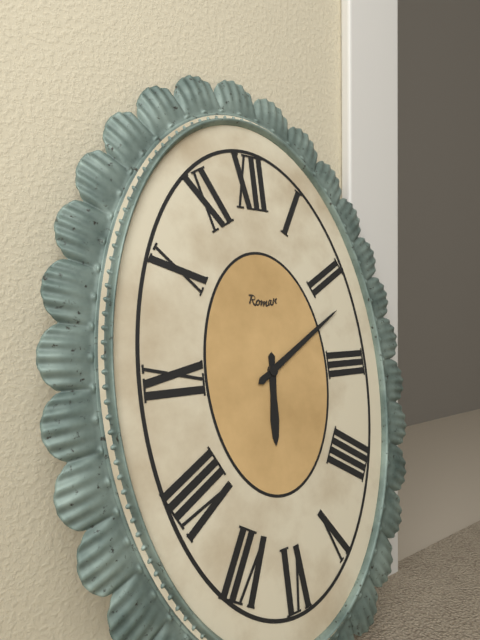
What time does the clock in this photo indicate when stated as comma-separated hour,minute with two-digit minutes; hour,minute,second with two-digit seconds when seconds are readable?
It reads 6,10
